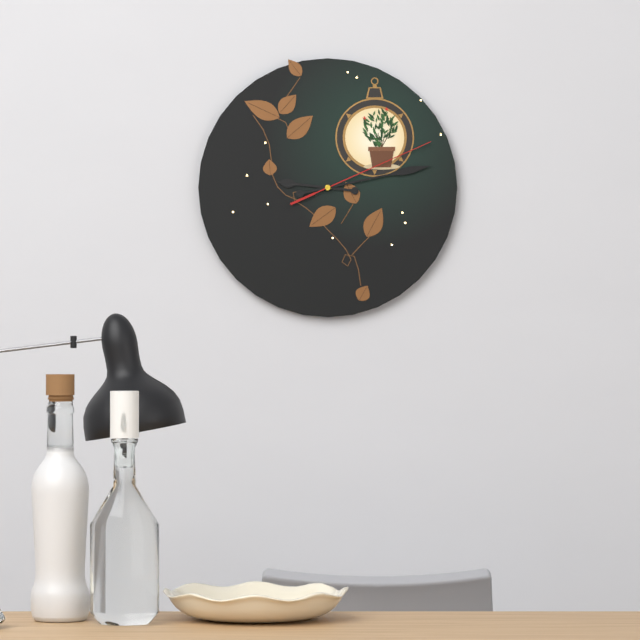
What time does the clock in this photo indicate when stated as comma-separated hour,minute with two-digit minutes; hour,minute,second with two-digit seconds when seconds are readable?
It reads 9,13,11
